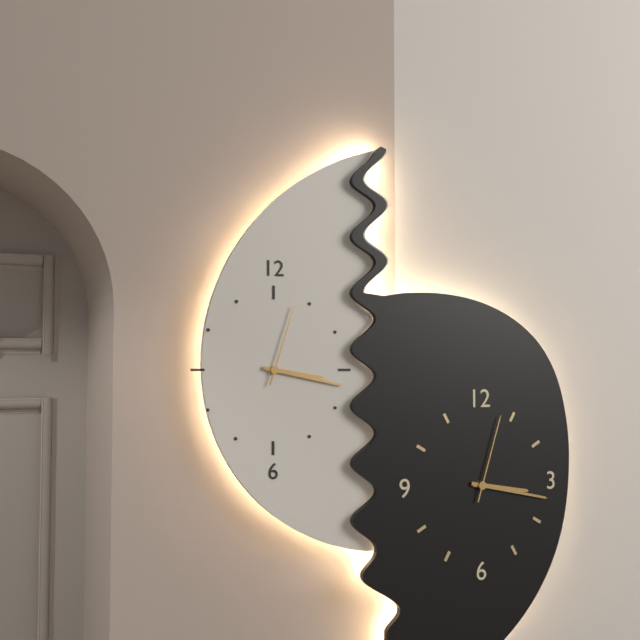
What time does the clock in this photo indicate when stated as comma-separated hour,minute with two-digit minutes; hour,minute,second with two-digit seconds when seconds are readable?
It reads 3,17,03
